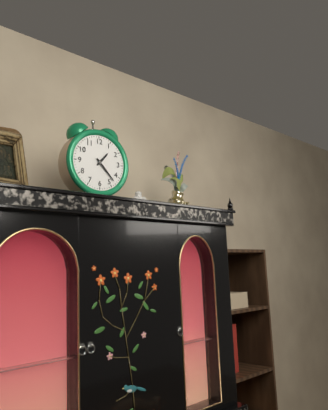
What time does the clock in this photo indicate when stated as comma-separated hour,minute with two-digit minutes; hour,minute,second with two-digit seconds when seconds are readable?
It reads 1,23
